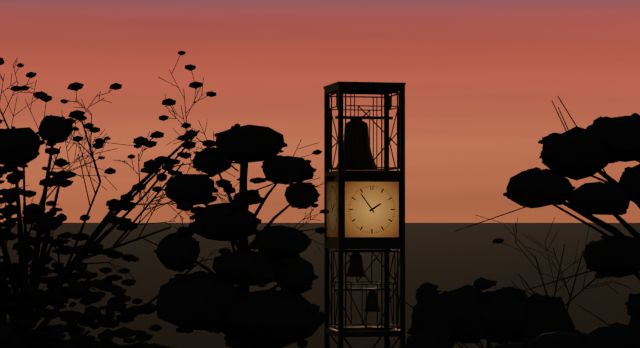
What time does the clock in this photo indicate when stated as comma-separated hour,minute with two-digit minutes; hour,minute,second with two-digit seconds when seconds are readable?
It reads 1,54
